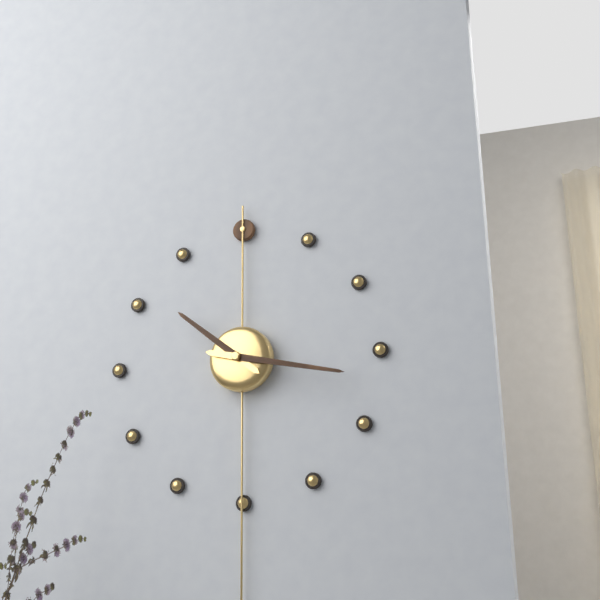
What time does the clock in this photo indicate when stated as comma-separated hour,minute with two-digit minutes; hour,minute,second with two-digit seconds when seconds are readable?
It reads 10,17
